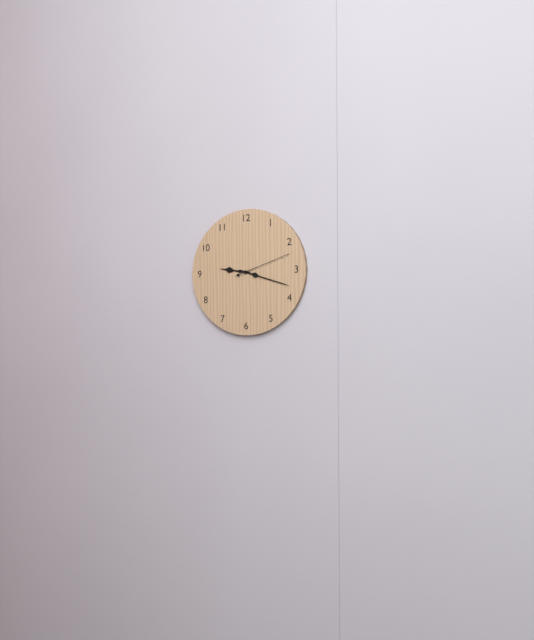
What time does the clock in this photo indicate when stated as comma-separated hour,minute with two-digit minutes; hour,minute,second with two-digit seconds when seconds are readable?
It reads 9,18,12
